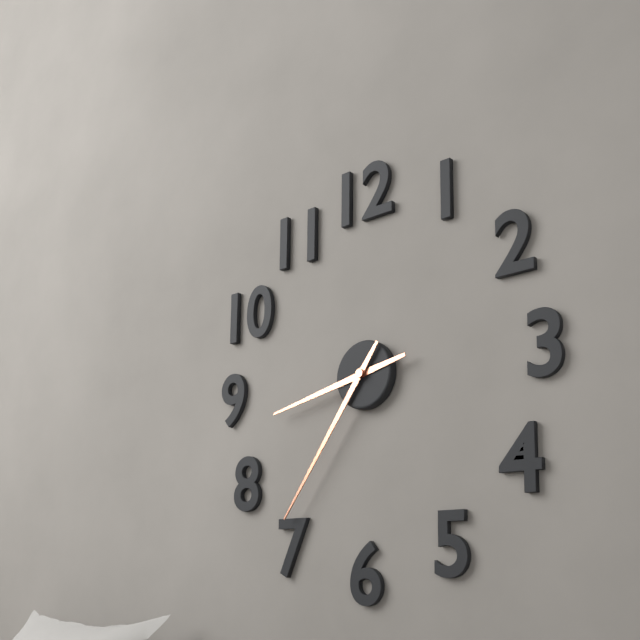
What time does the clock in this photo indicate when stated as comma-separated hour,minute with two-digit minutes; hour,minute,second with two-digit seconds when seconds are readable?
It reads 8,36
